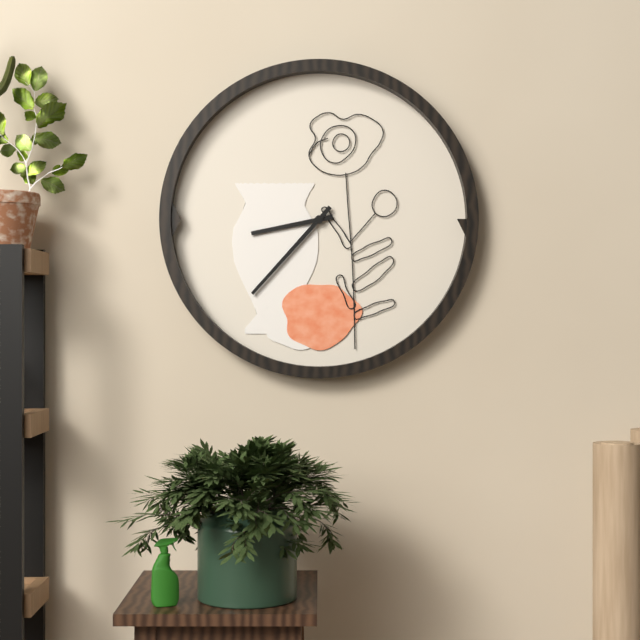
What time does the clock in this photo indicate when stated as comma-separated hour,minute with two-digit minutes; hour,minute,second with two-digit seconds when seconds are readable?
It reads 8,37
